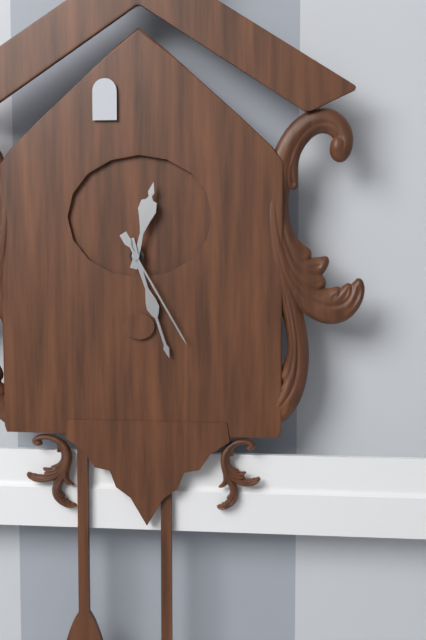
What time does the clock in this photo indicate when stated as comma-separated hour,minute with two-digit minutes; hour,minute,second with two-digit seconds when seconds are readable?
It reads 12,27,25
